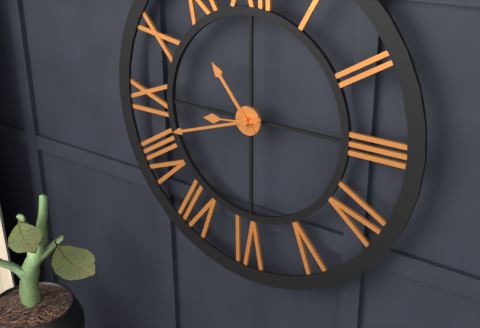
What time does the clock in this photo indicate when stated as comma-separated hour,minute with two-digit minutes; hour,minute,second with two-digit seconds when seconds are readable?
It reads 10,42,44
